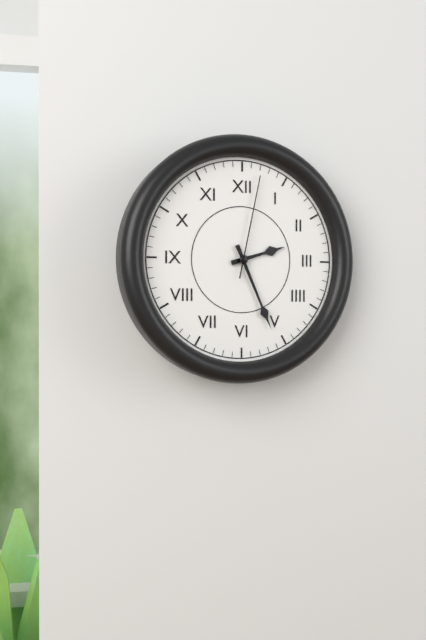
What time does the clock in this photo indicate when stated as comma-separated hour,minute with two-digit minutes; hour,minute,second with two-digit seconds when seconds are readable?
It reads 2,26,02
